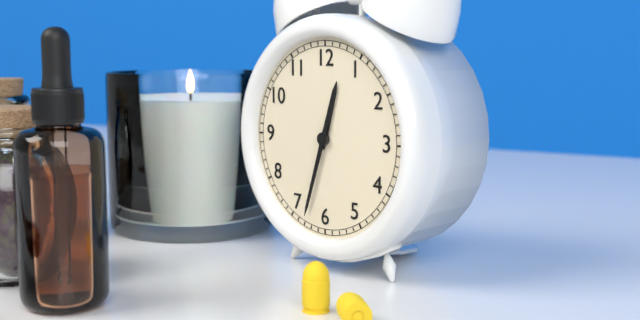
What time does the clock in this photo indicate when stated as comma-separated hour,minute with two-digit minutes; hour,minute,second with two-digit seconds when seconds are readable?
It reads 12,33
